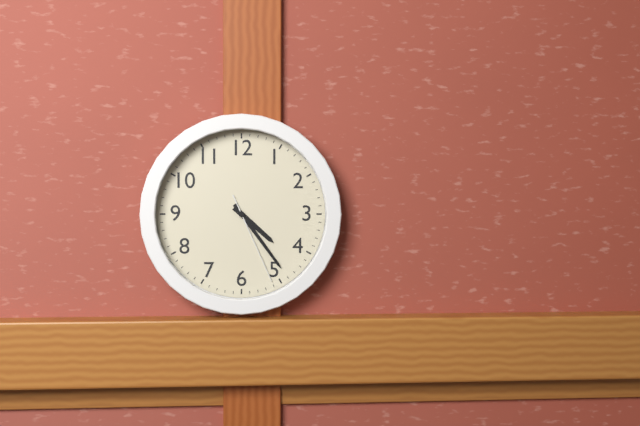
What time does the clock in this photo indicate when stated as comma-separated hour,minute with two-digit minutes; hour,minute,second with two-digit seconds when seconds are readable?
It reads 4,24,26
